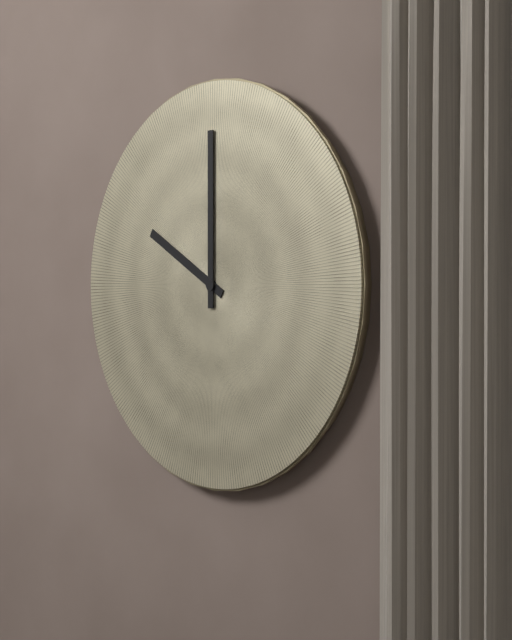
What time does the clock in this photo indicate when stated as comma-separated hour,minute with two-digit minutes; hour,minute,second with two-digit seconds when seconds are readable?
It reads 10,00
